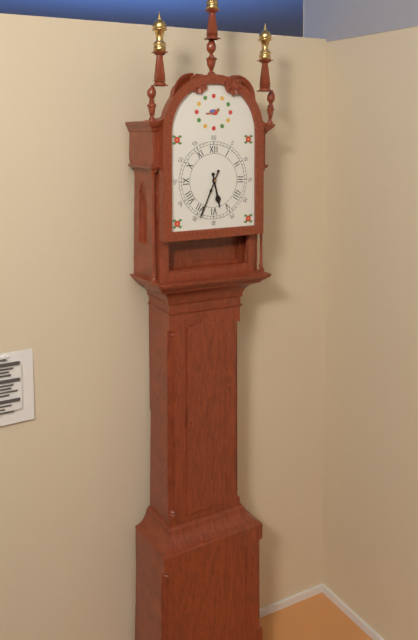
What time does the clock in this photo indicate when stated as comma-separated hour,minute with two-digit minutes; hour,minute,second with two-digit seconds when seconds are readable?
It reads 5,34
